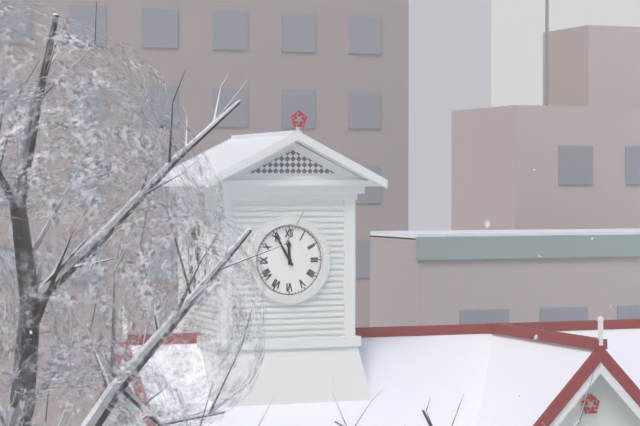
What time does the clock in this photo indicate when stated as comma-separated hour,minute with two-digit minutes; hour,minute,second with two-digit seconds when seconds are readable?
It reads 11,55
